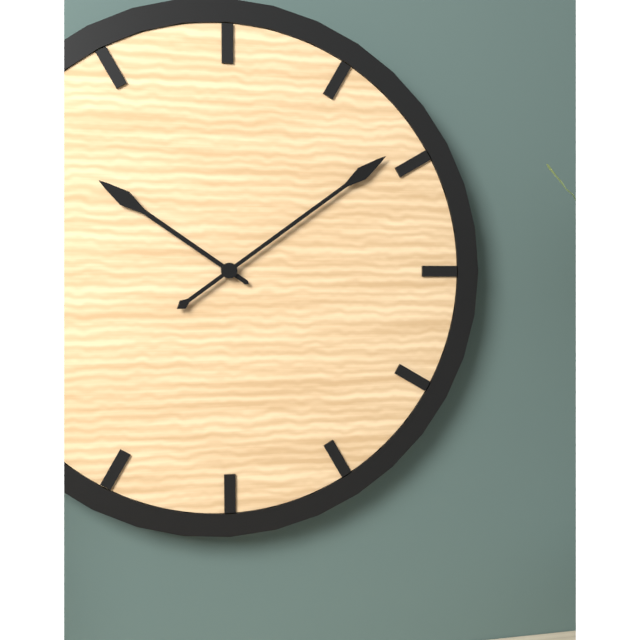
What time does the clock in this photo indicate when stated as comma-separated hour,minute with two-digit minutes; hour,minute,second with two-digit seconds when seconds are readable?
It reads 10,09
